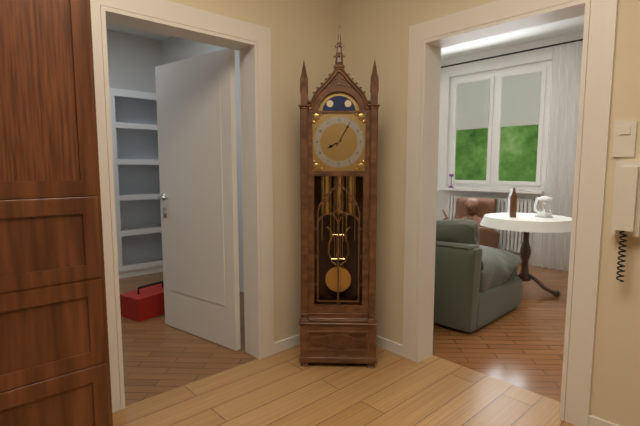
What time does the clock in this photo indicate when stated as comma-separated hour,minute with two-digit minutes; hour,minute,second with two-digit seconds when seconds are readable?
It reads 8,05
